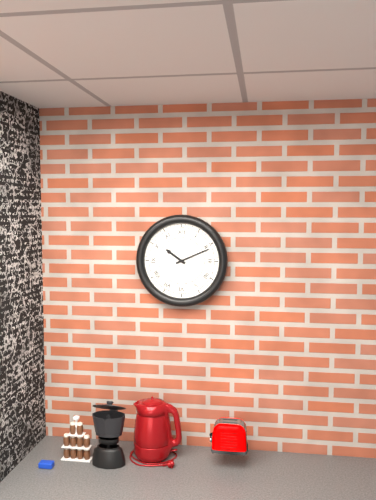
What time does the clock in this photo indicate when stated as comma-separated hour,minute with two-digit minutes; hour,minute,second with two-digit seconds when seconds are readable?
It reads 10,11
